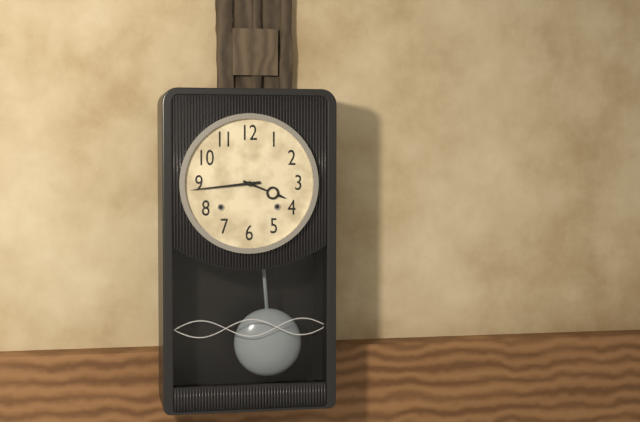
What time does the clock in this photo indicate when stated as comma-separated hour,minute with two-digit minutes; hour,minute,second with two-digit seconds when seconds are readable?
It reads 3,44
